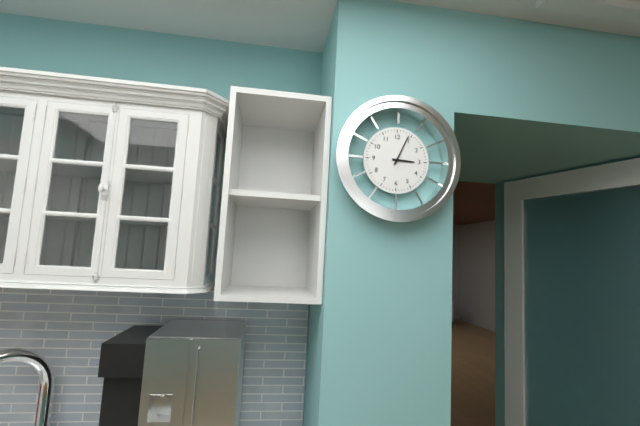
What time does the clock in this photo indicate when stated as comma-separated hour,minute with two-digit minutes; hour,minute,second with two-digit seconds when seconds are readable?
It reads 3,04
